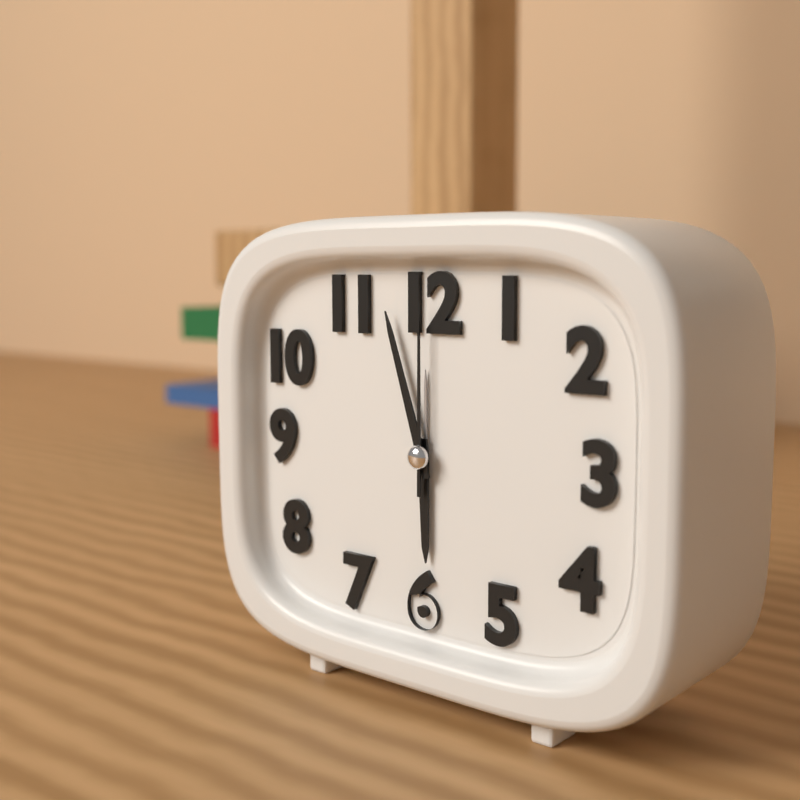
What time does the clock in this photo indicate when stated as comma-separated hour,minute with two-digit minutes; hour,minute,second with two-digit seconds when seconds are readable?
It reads 5,57,00
